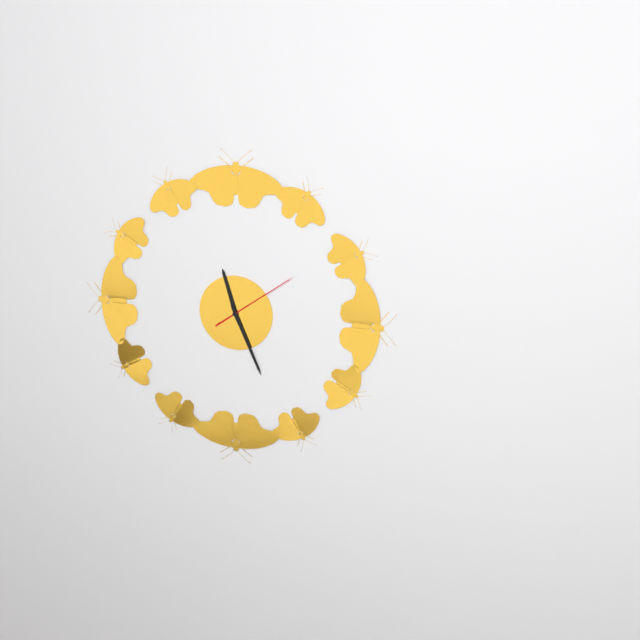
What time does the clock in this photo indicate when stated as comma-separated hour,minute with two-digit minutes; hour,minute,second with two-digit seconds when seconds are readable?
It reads 11,26,09
